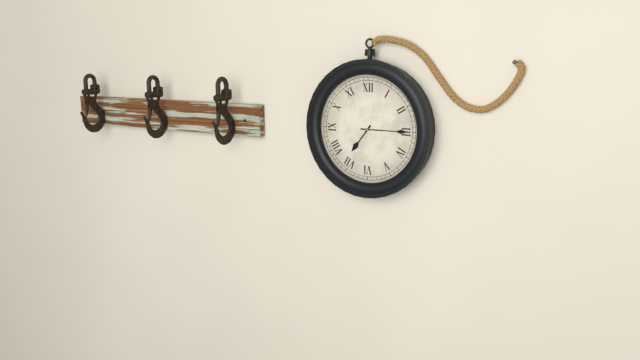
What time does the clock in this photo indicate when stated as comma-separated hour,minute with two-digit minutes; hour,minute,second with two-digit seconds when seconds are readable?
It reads 7,15
